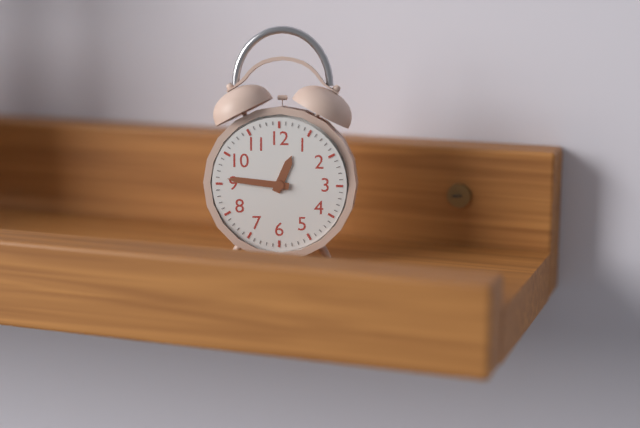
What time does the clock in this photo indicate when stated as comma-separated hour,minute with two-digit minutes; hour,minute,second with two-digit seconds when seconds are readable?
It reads 12,46
